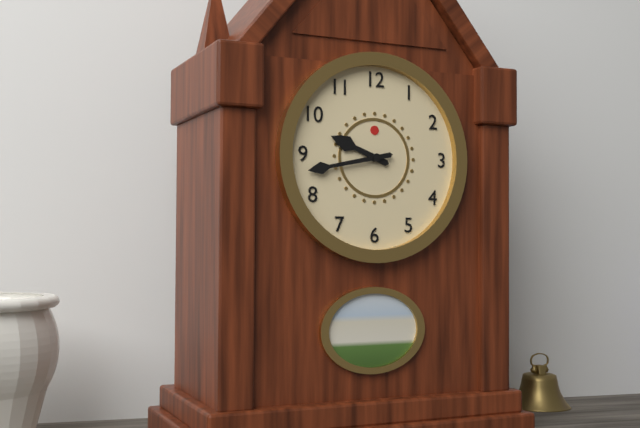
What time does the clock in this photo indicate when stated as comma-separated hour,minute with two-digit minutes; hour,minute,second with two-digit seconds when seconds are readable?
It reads 9,43
